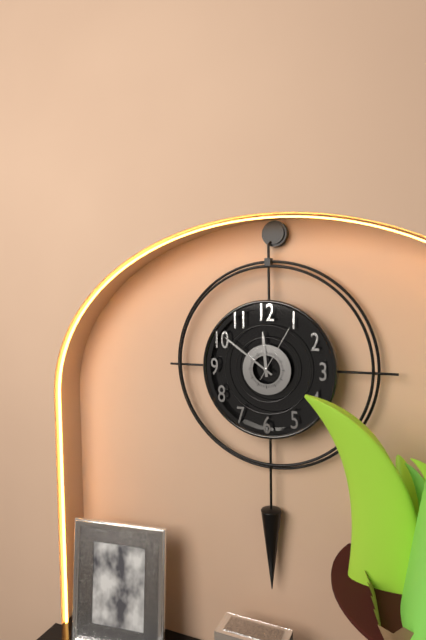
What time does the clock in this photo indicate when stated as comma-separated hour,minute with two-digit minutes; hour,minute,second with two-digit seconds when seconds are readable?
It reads 11,51,05
